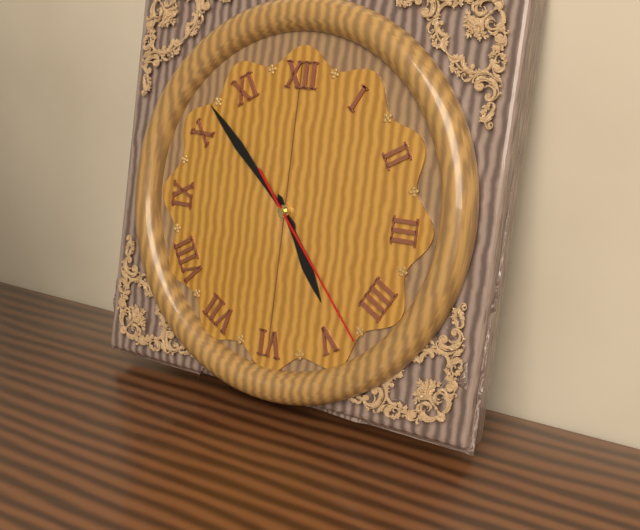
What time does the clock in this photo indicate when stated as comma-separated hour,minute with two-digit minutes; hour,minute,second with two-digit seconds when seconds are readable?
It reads 4,52,23
